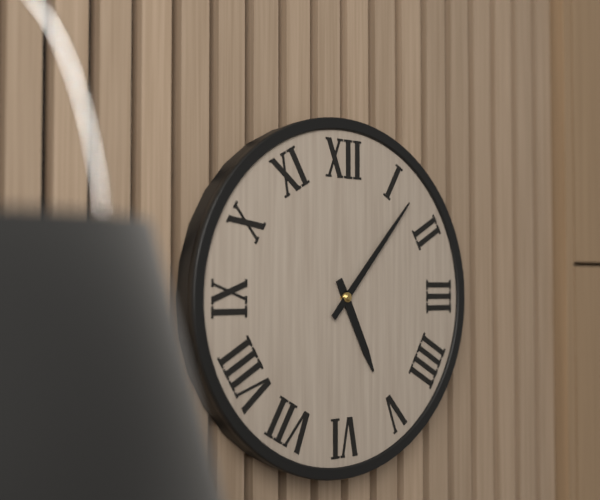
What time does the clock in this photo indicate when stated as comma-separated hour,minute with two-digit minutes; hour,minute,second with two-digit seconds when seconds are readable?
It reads 5,07
